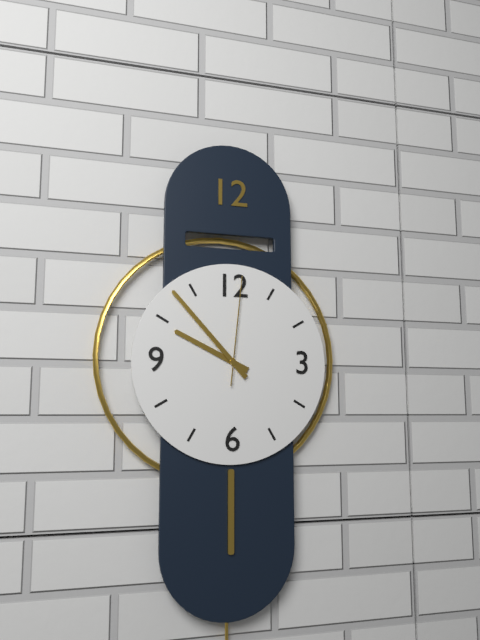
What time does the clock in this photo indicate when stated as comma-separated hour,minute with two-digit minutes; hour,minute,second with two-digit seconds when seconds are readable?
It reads 9,53,01
